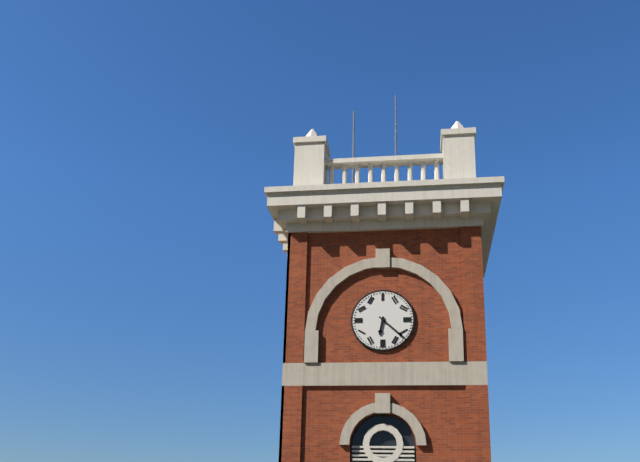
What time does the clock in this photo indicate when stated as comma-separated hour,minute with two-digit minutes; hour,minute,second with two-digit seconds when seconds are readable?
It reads 6,22
